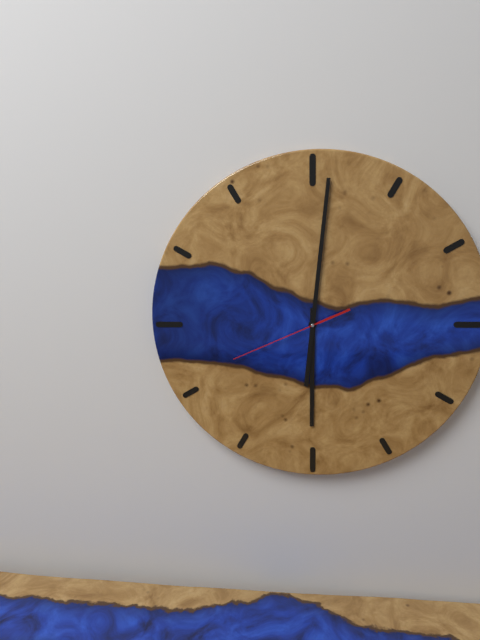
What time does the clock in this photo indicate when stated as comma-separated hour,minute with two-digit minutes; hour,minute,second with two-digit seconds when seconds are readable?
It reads 6,01,41
